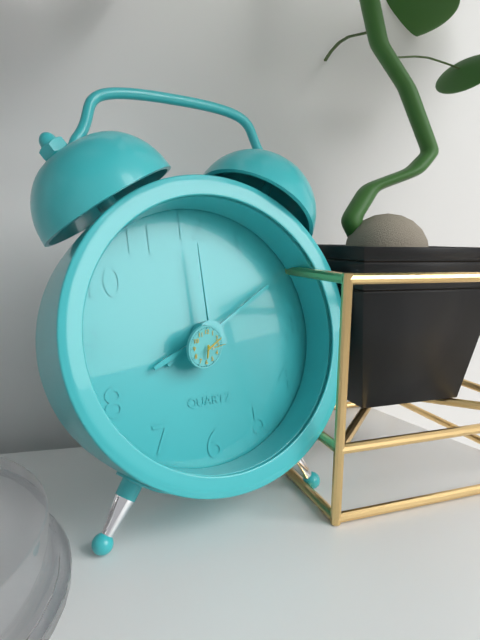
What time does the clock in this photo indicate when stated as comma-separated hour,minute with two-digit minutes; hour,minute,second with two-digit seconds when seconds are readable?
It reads 6,10
